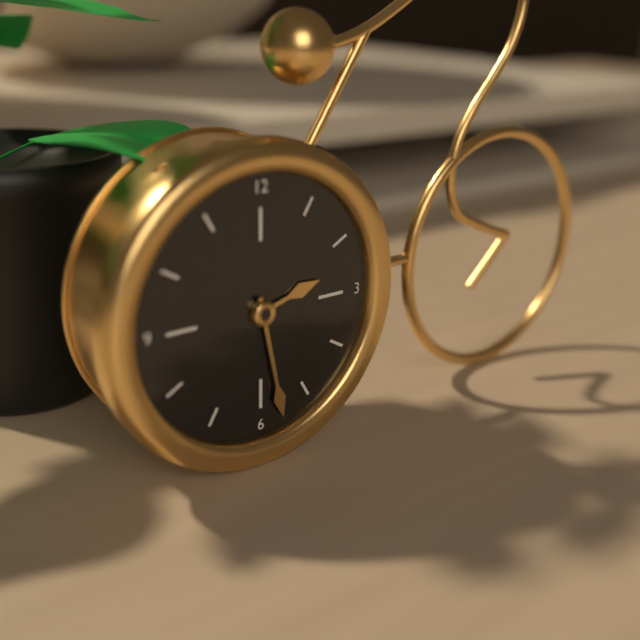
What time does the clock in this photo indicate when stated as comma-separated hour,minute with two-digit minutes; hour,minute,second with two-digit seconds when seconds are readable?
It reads 2,28
